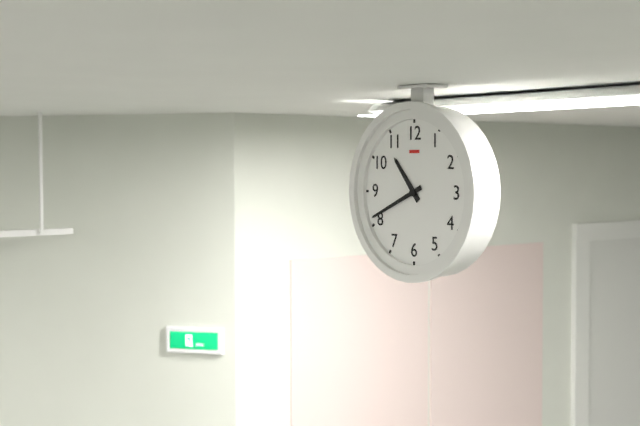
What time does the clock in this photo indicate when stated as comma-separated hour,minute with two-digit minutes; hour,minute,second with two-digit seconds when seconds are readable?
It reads 10,41
